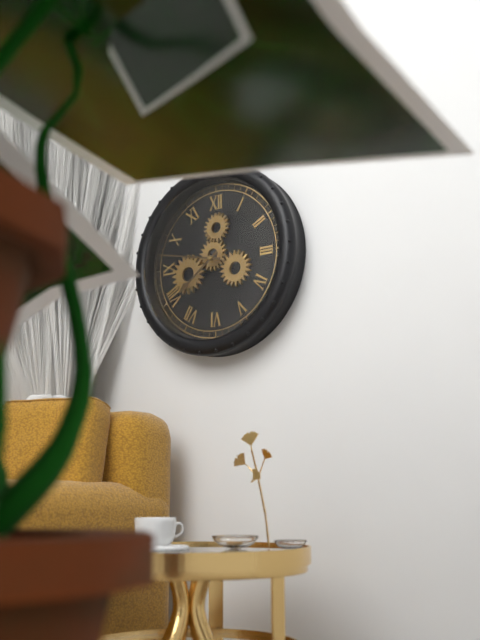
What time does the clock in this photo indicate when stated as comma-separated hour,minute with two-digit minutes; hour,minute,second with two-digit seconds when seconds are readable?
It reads 7,47
